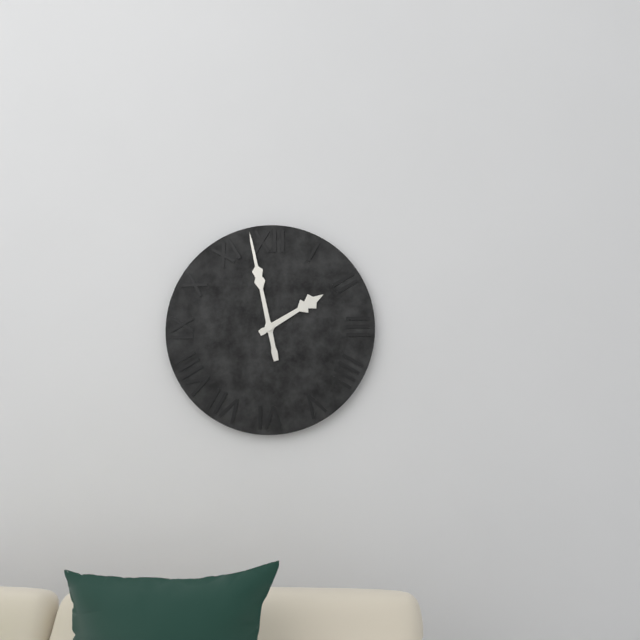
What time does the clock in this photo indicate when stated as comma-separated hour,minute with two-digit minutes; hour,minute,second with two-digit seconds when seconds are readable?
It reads 1,58
